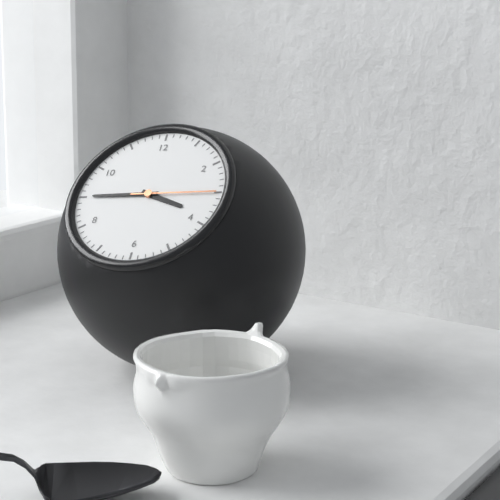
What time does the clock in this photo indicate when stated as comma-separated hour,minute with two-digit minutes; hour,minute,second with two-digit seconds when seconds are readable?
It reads 3,45,15
